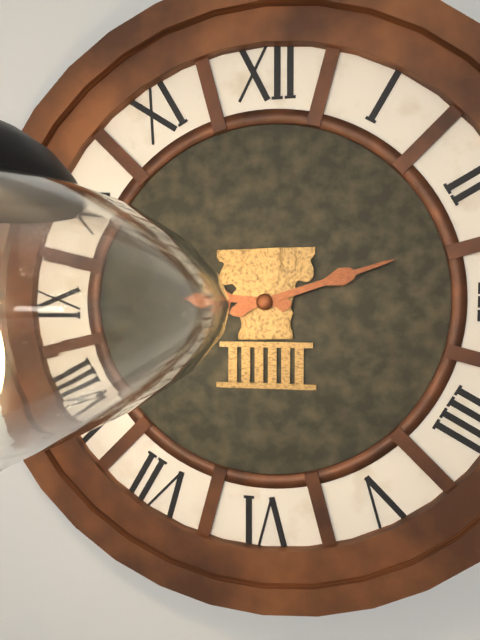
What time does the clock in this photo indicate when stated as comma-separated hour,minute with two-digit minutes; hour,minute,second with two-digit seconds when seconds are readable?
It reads 9,12
